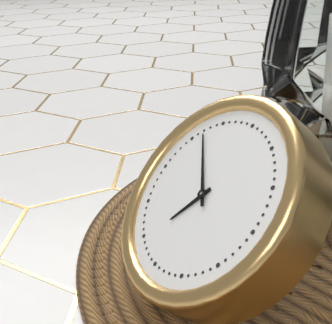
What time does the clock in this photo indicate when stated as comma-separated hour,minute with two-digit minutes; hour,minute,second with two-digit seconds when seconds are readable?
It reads 6,52
